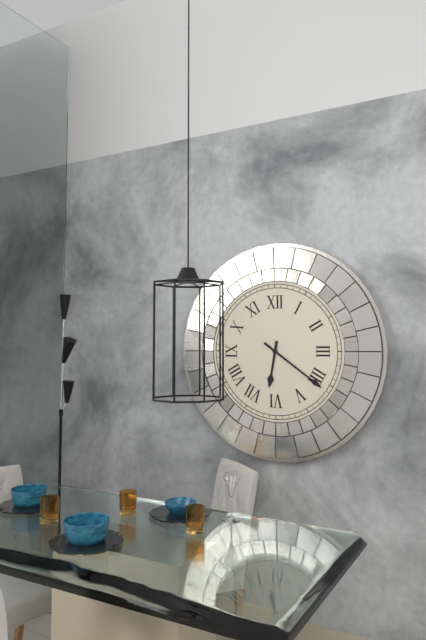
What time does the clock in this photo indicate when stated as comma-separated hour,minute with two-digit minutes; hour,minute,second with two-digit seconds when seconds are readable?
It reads 6,21
